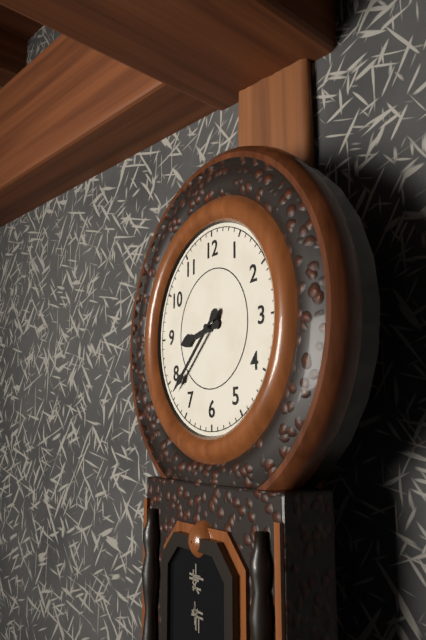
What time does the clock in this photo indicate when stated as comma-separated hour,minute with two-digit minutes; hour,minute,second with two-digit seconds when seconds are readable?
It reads 8,38
